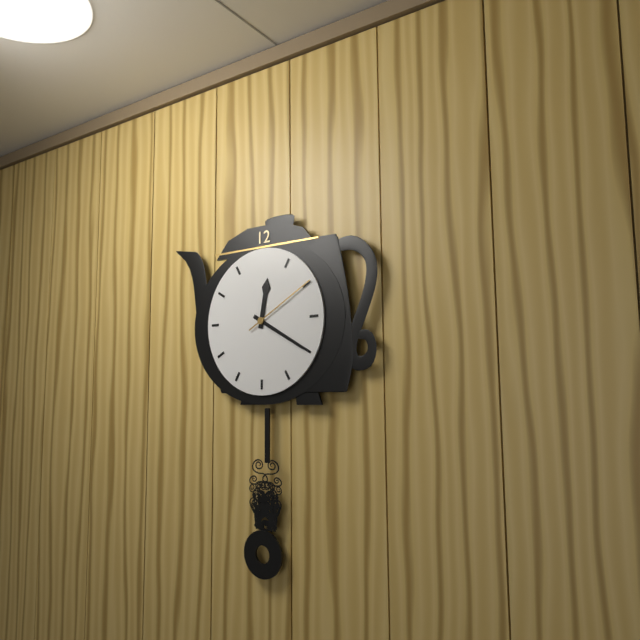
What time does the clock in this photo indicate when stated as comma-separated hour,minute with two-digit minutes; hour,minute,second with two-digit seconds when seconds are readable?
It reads 12,20,10
